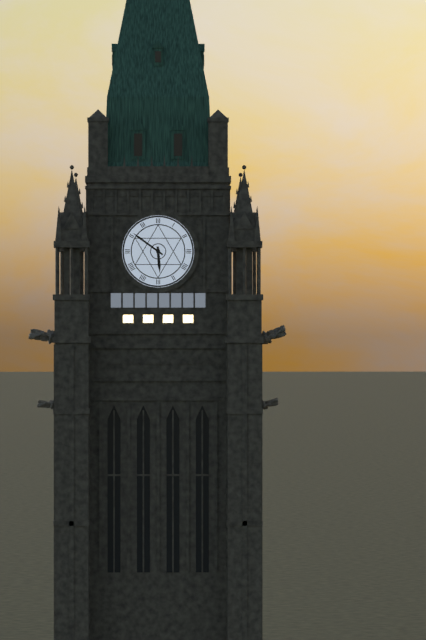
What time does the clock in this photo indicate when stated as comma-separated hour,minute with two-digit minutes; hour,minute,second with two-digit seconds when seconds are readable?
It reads 5,51
